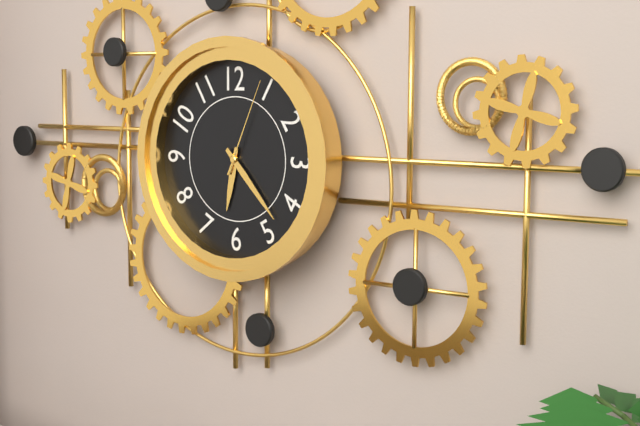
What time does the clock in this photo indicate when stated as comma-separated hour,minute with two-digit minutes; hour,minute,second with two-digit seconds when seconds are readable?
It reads 6,23,04
